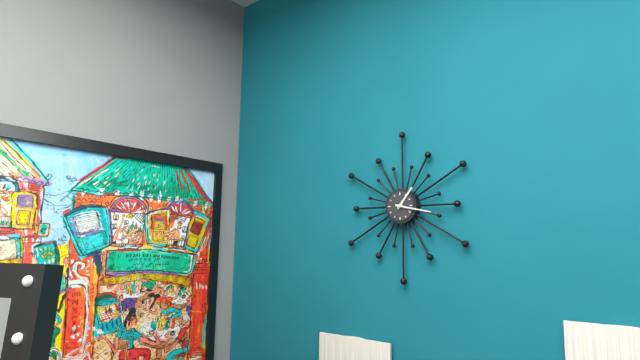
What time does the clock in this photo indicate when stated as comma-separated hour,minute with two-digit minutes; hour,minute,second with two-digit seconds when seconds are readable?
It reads 1,17
